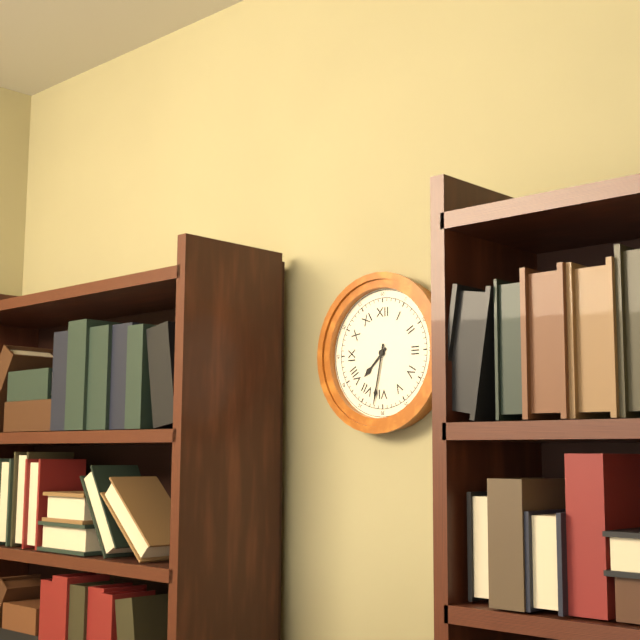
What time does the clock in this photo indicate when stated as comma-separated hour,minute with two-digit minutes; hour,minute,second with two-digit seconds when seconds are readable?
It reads 7,32
